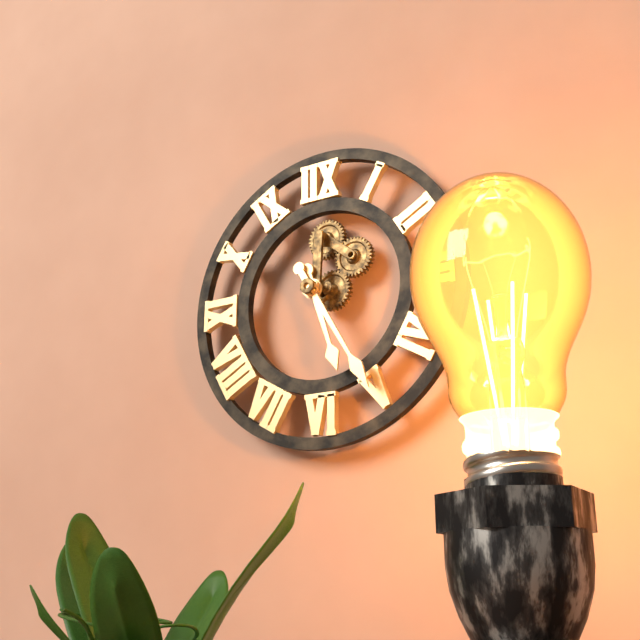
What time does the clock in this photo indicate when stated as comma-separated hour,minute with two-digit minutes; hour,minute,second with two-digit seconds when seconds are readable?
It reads 5,25
